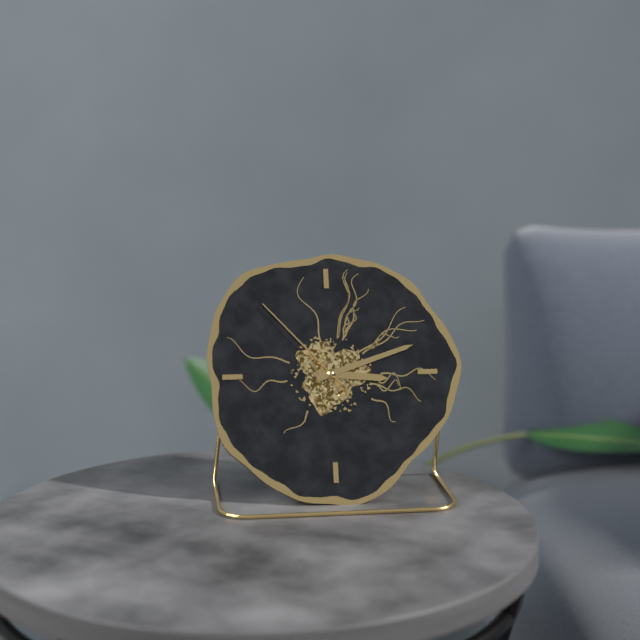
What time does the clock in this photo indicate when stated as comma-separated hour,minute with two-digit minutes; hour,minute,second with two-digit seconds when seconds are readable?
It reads 3,12,53
